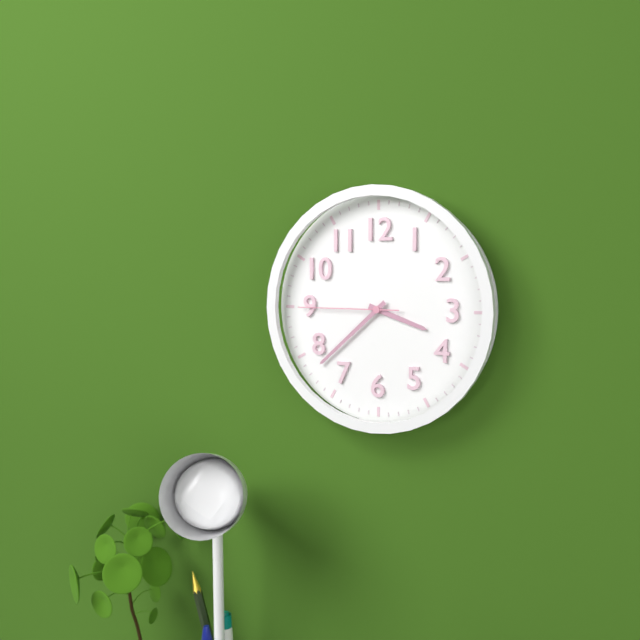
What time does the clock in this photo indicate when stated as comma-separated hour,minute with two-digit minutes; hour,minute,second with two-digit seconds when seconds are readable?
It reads 3,38,45
